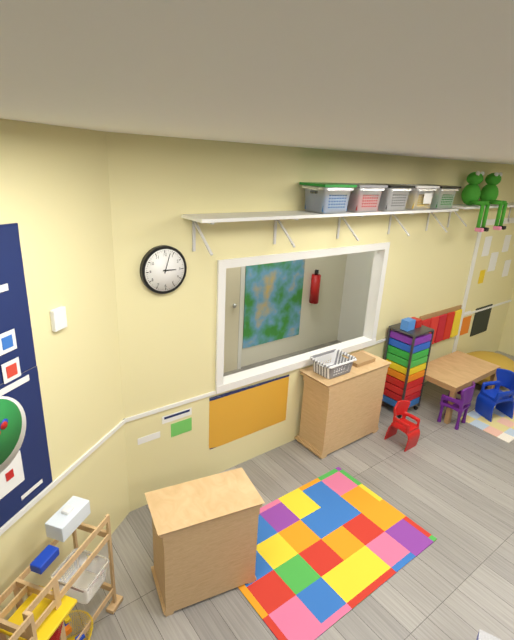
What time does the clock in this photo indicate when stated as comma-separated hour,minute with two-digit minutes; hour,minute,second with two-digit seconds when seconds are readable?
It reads 3,03
